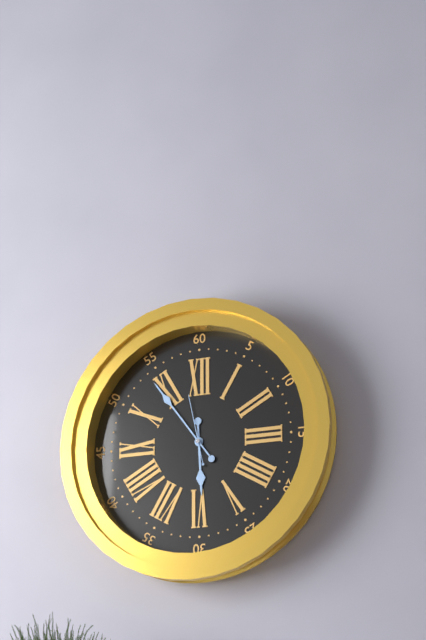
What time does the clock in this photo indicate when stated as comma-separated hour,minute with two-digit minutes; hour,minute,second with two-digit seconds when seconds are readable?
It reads 5,54,58
